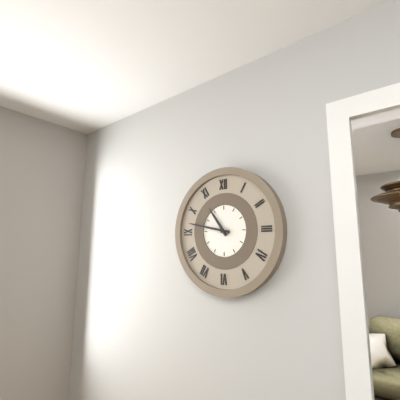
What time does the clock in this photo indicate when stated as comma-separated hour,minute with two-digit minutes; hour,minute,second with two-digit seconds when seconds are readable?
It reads 10,47
